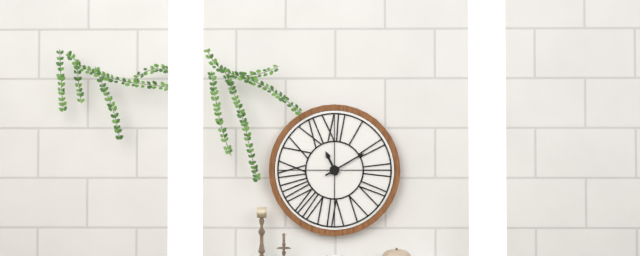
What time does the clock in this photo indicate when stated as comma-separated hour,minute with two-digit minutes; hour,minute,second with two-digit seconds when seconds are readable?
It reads 11,10
